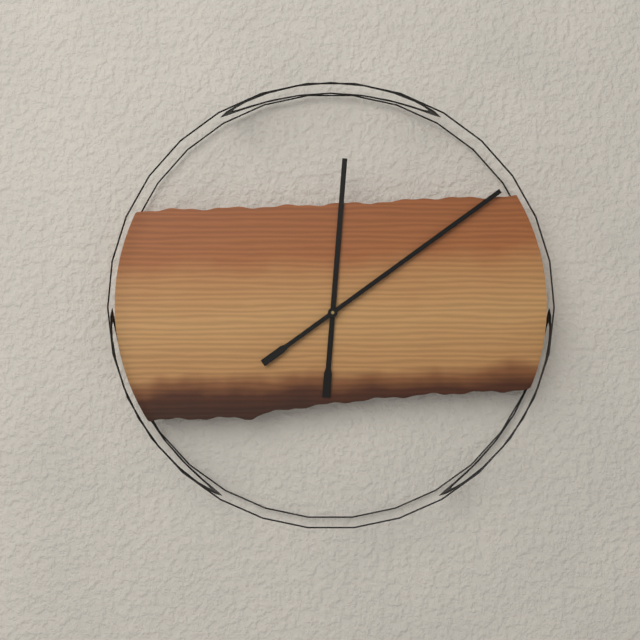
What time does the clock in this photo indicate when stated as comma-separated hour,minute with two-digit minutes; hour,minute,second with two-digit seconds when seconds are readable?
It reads 12,09
